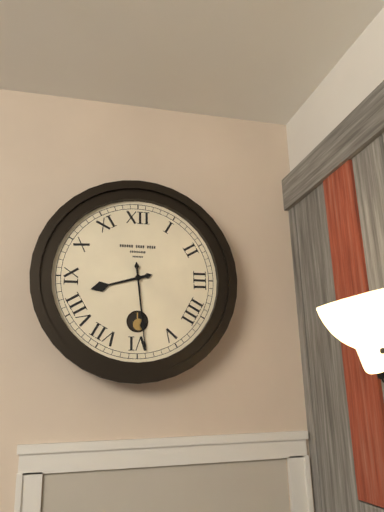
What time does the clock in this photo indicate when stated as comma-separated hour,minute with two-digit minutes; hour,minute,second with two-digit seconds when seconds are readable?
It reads 8,29
